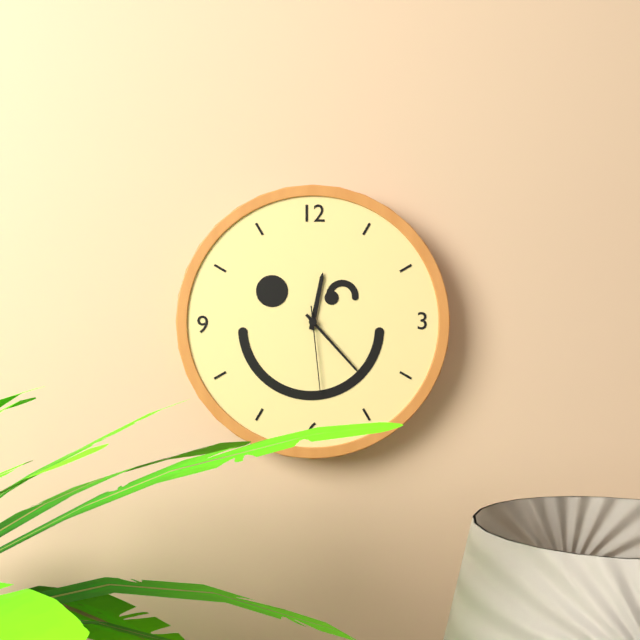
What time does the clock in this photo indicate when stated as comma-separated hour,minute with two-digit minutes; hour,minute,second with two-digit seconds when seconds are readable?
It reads 12,23,29
